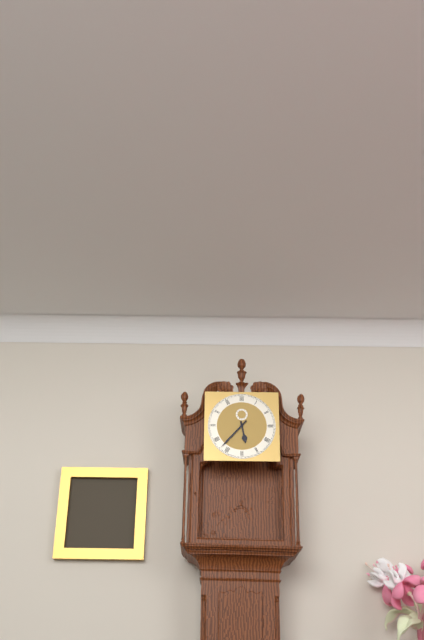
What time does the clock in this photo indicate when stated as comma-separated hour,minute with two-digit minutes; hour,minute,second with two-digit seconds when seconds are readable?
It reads 5,37
